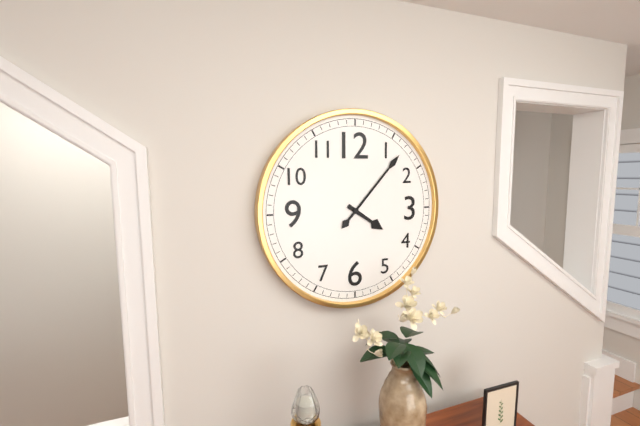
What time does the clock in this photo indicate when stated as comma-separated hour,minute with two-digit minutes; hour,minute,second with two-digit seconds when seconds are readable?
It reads 4,07
